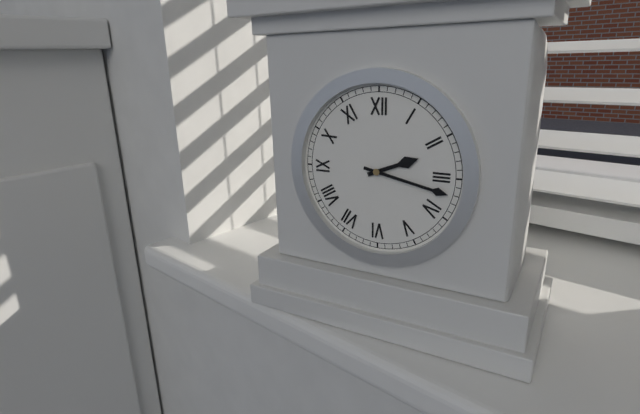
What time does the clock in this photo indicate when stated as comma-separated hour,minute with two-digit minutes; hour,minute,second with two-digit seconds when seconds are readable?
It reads 2,17
